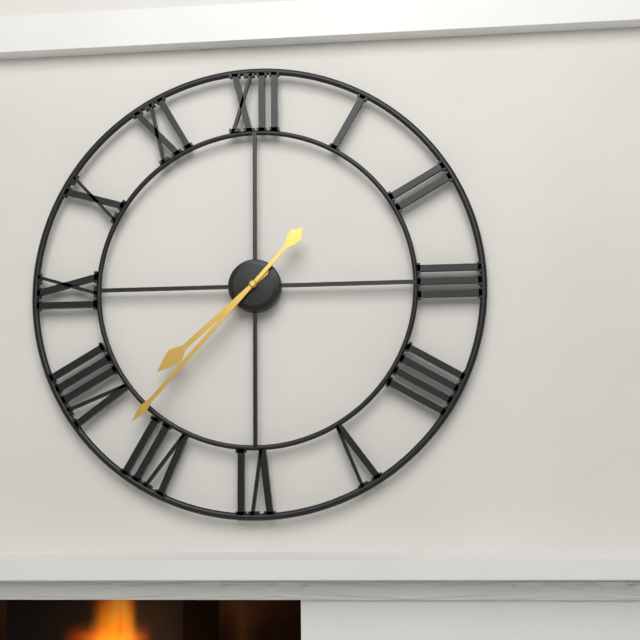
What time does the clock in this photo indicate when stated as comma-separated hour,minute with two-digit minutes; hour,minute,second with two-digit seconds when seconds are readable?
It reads 7,37
